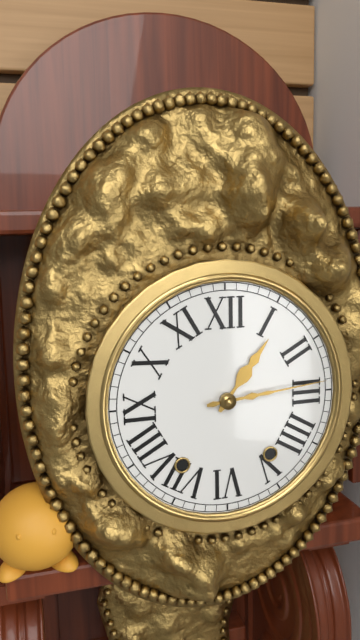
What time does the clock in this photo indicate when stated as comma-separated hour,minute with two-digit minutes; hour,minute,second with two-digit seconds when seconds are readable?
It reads 1,14
